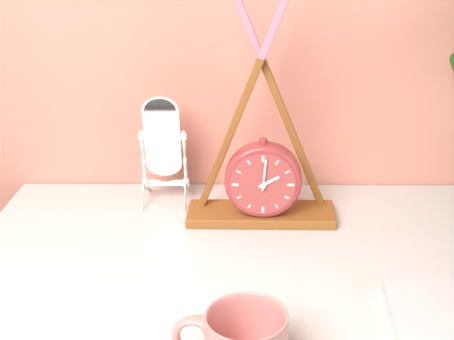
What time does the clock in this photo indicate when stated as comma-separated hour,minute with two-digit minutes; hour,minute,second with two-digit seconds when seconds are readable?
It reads 2,01
